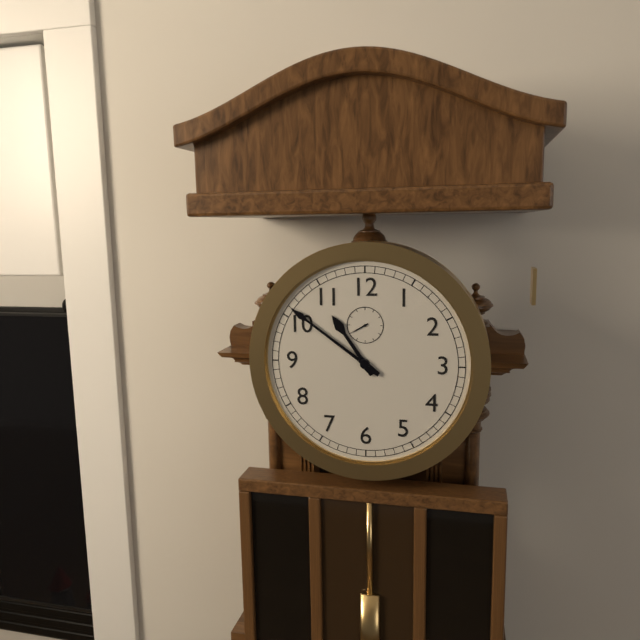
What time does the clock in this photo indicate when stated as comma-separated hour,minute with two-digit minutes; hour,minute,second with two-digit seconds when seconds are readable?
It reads 10,51
